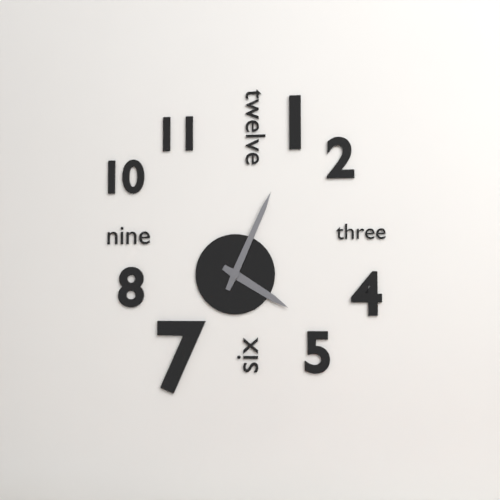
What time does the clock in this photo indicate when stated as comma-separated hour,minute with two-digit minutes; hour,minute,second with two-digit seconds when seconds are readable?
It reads 4,04
